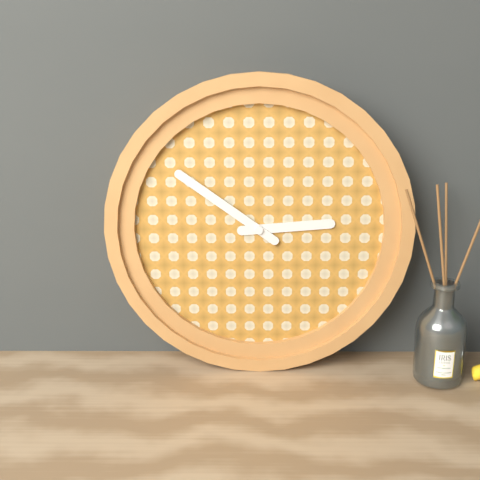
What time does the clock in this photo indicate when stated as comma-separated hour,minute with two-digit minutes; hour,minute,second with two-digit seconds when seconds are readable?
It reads 2,51
